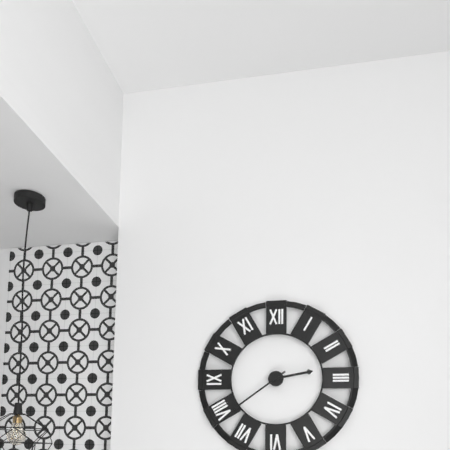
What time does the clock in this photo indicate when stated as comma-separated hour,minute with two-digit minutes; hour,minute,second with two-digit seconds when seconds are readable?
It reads 2,39
